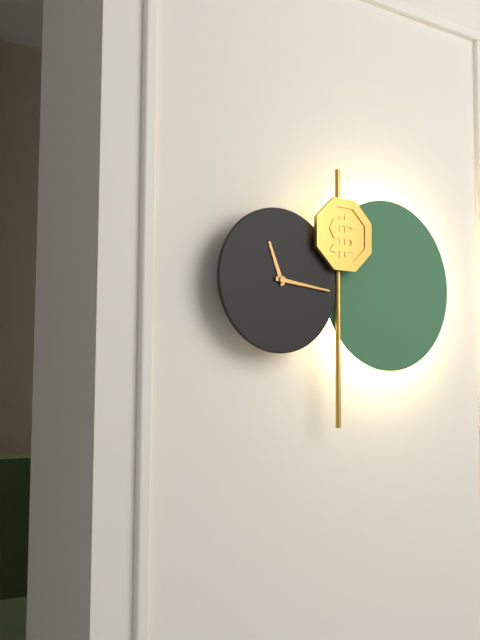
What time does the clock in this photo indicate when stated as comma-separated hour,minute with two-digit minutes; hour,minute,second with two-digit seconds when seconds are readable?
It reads 11,16
